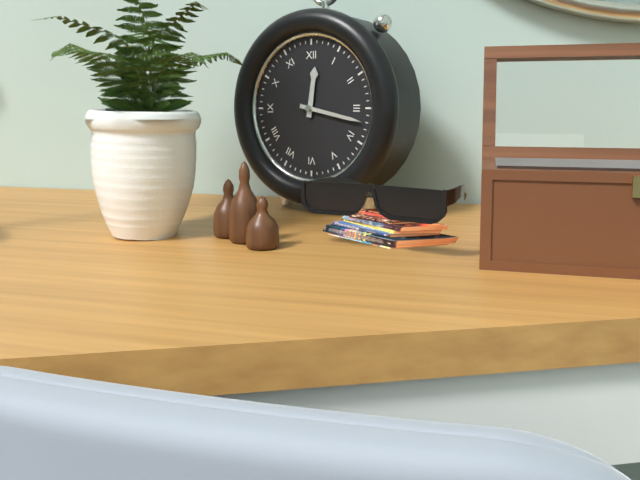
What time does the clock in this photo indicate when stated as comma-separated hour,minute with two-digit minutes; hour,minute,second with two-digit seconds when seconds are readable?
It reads 12,17
